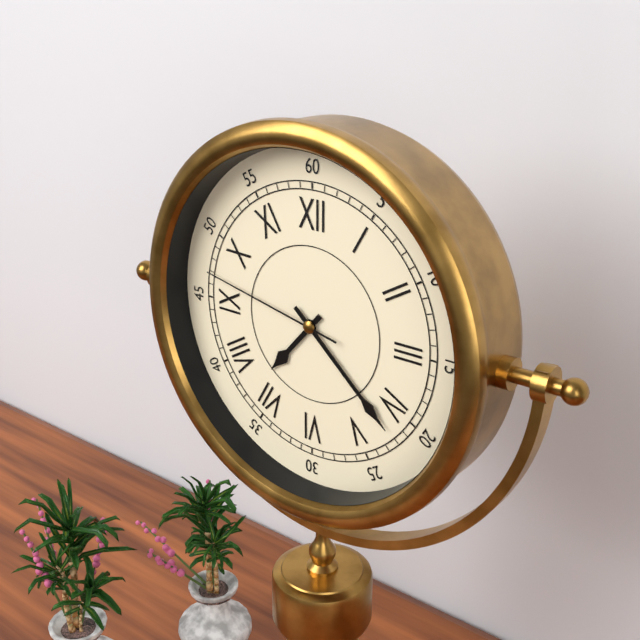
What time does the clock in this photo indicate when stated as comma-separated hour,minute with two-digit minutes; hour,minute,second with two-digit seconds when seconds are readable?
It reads 7,22,47
